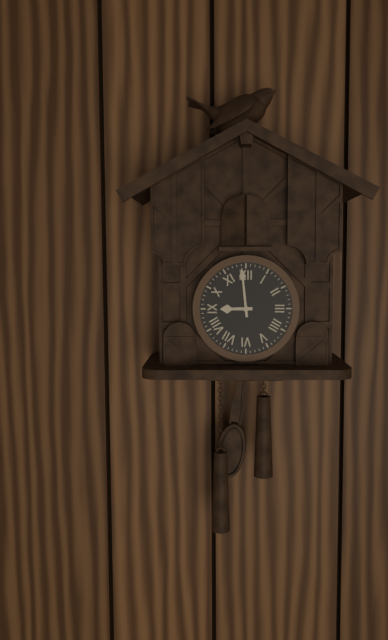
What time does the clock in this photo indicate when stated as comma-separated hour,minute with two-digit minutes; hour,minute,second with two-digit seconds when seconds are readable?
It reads 8,59
